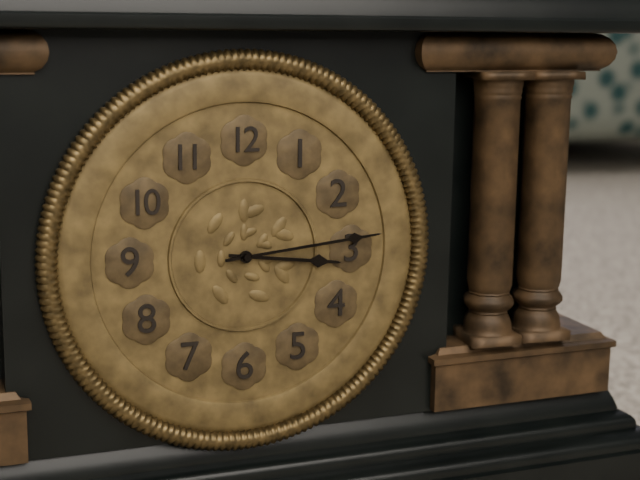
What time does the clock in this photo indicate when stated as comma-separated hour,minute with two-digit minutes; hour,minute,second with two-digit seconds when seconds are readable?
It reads 3,14
